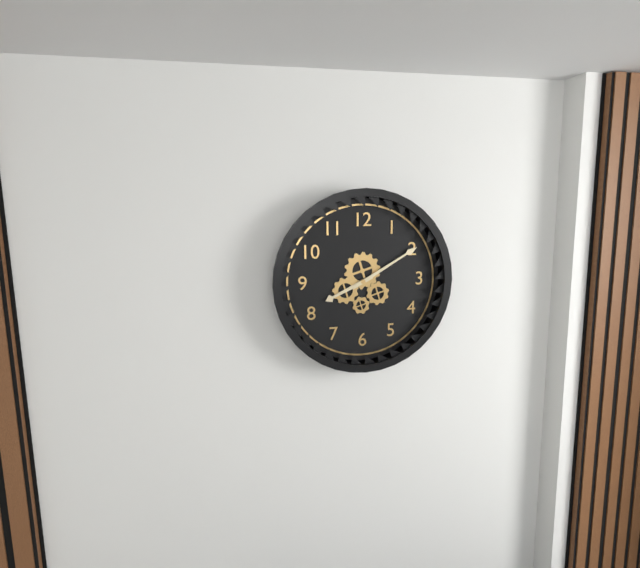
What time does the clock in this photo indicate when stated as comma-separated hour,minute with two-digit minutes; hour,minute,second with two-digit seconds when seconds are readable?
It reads 8,10
